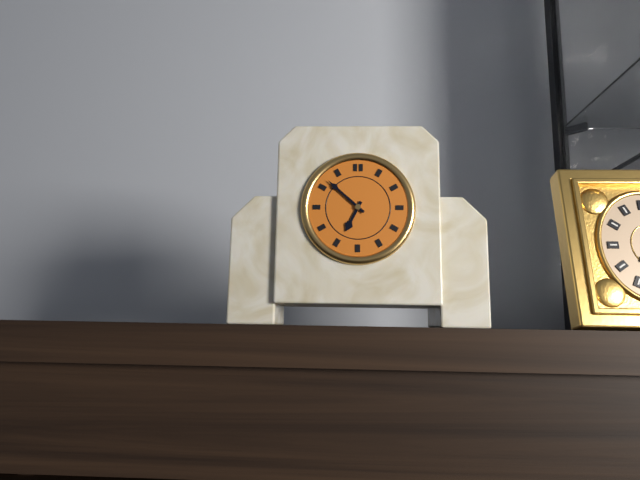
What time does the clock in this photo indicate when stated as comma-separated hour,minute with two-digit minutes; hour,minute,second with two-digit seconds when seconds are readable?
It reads 6,52
